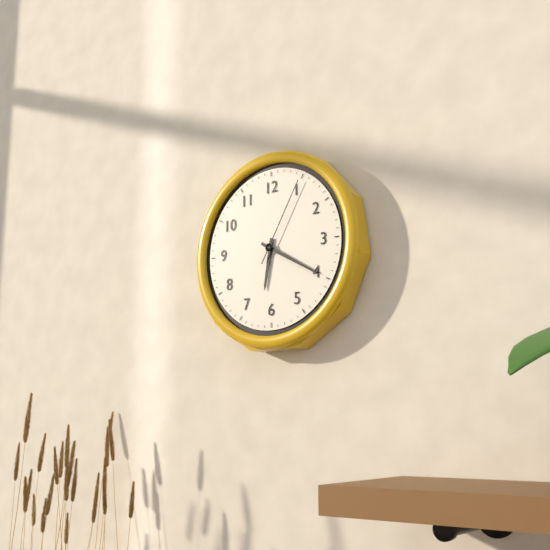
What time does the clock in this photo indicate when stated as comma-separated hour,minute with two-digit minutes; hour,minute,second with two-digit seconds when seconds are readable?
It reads 6,20,05
